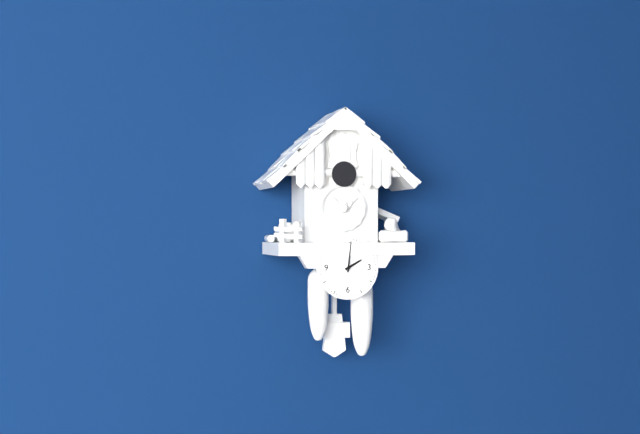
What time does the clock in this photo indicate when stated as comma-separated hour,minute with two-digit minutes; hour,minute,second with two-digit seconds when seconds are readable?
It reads 2,01
